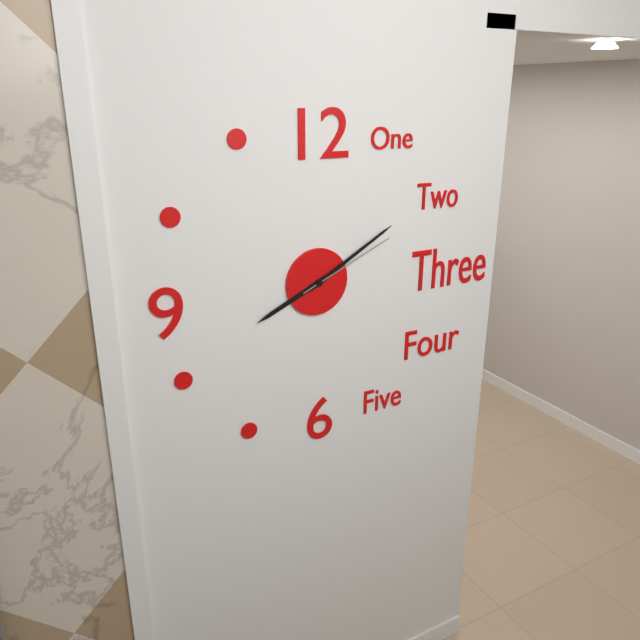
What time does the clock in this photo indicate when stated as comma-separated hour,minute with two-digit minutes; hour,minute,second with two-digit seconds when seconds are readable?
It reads 8,10,11
